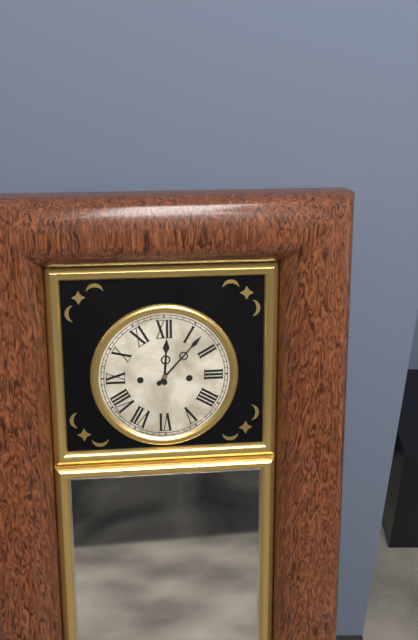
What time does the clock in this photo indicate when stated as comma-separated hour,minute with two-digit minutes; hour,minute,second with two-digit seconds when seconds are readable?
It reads 12,07
